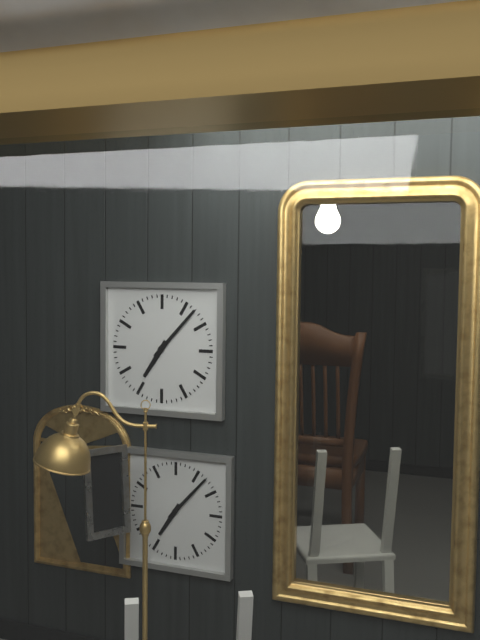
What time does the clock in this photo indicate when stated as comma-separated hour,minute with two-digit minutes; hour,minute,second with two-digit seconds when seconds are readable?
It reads 7,07
